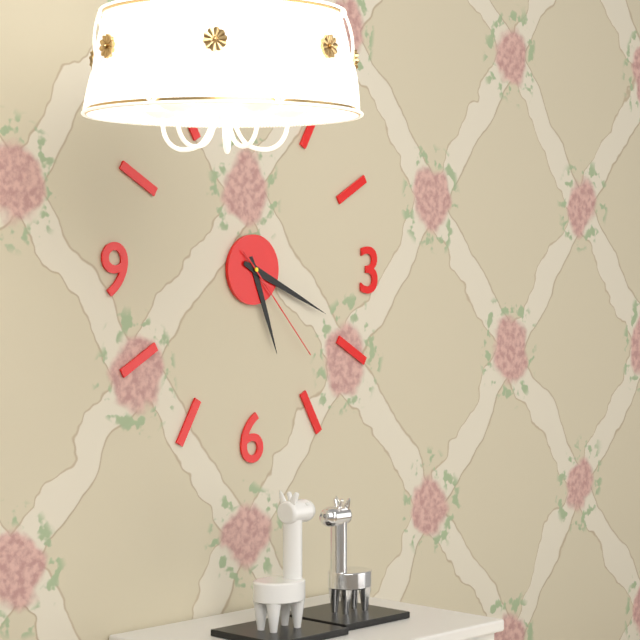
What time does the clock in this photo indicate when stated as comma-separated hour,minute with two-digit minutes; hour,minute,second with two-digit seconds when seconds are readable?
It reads 5,19,23
